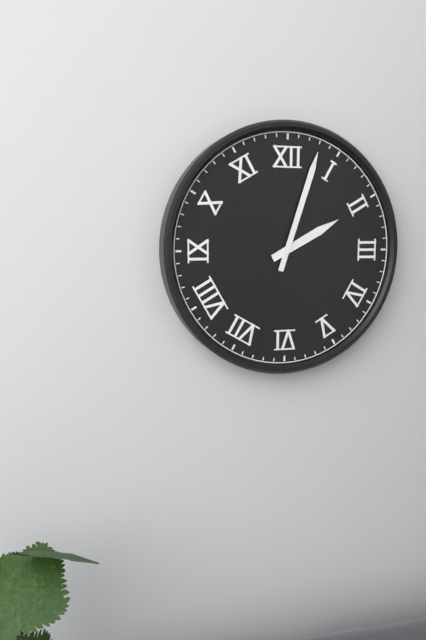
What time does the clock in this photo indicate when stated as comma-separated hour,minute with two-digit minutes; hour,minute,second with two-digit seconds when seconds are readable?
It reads 2,03
